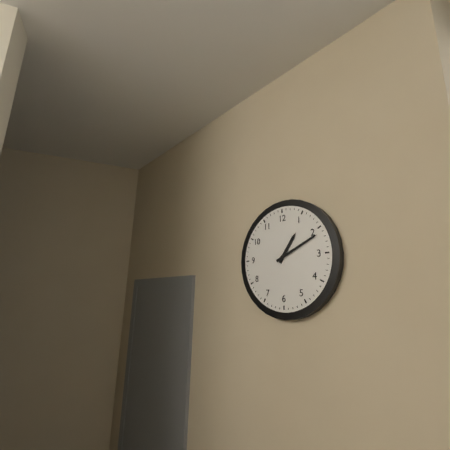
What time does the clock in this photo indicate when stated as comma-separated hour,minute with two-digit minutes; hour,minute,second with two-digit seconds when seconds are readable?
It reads 1,11
